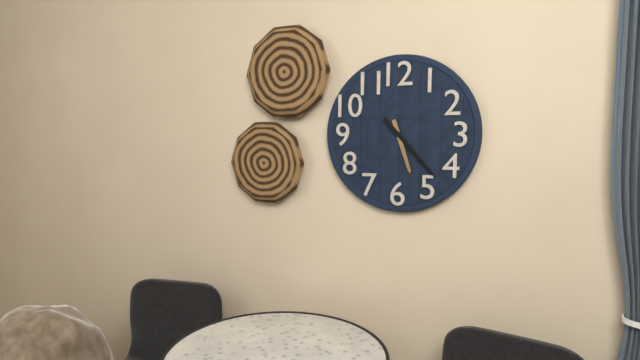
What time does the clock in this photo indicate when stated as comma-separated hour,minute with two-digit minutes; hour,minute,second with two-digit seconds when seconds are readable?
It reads 5,23
